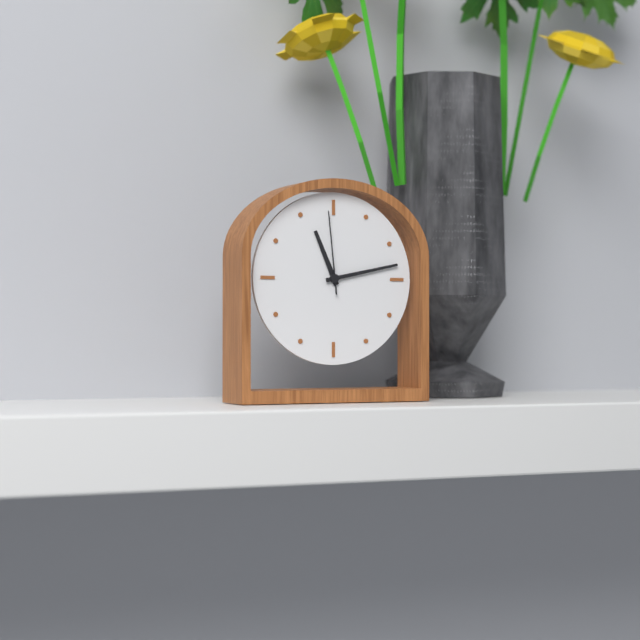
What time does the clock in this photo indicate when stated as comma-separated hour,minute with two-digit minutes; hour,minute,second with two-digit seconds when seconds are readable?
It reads 11,13,59
